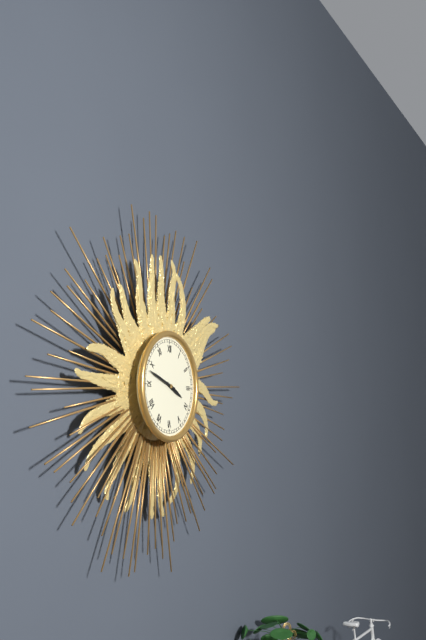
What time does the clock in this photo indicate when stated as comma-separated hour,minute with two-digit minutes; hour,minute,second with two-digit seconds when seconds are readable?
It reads 3,48
